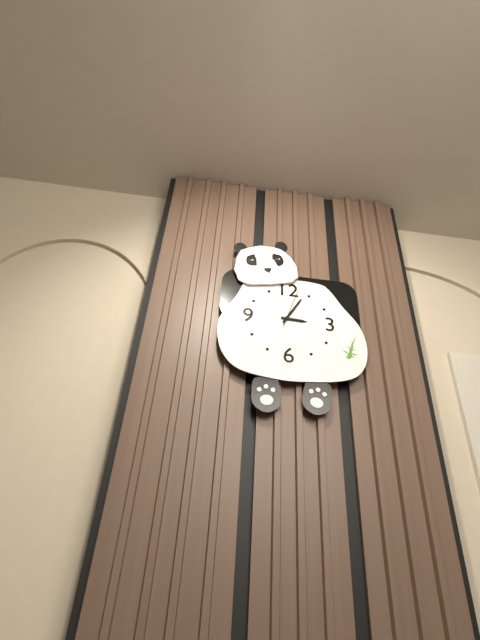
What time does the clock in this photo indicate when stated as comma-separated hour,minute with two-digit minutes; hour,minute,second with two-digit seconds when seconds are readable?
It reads 3,05
